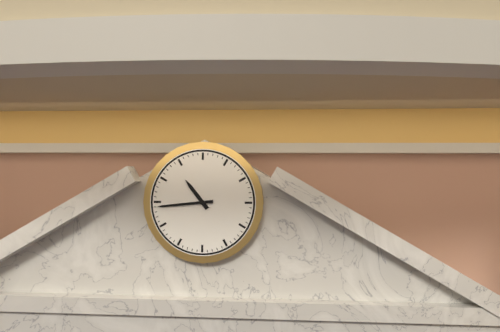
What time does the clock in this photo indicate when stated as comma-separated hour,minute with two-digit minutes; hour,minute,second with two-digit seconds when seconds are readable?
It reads 10,44
